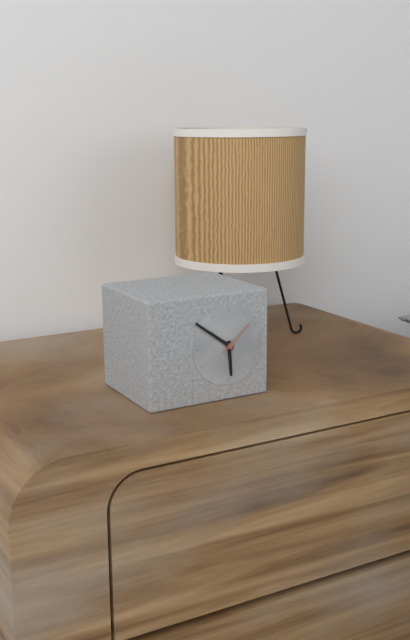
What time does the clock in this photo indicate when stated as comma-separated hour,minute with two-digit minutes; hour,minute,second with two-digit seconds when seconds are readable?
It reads 5,51
